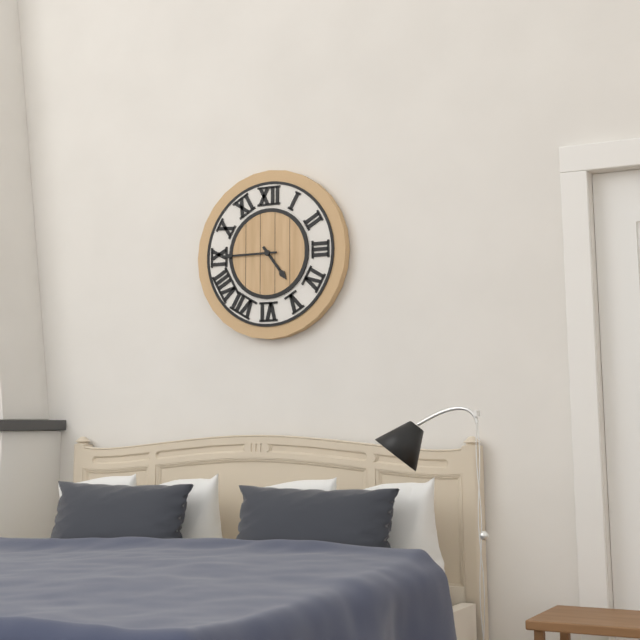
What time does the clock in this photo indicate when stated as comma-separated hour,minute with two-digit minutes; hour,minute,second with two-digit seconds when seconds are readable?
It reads 4,45
